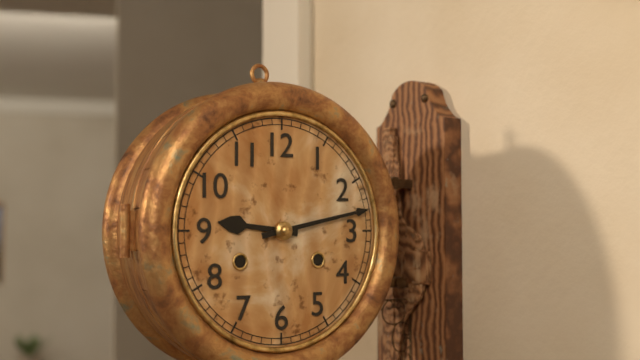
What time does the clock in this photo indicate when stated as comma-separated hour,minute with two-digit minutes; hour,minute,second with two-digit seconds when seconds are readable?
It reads 9,13
